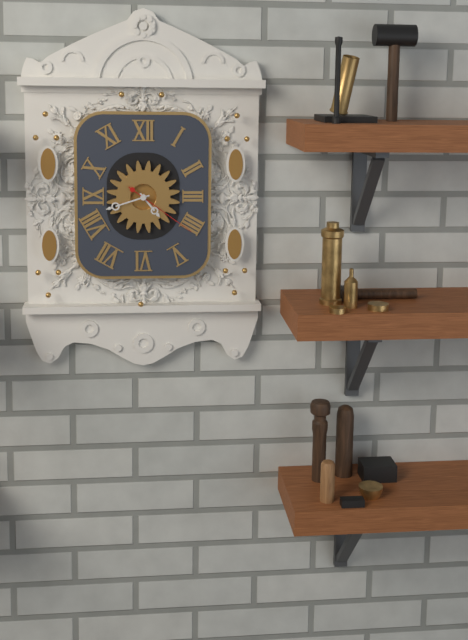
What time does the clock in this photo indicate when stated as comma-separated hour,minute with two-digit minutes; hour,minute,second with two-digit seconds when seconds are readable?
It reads 4,42,21
